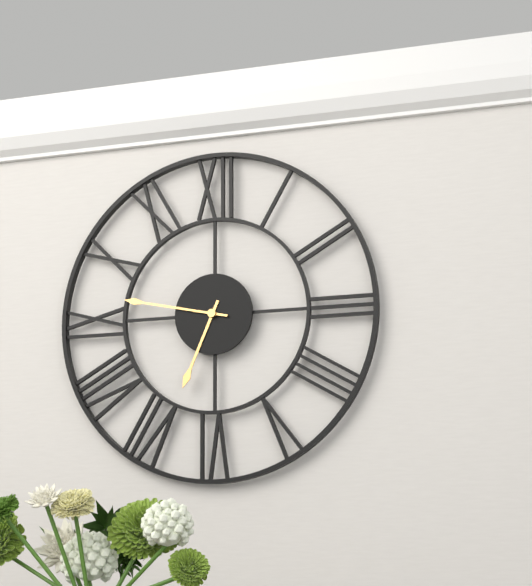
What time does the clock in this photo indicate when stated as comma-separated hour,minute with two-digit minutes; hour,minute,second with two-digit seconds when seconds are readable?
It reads 6,47
